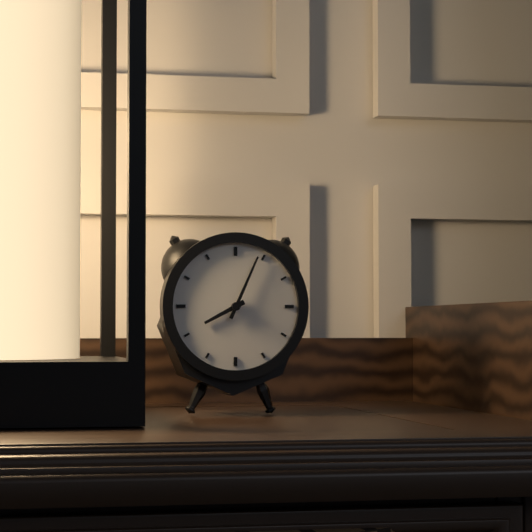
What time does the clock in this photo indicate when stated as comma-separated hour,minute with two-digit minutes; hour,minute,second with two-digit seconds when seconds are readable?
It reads 8,04
